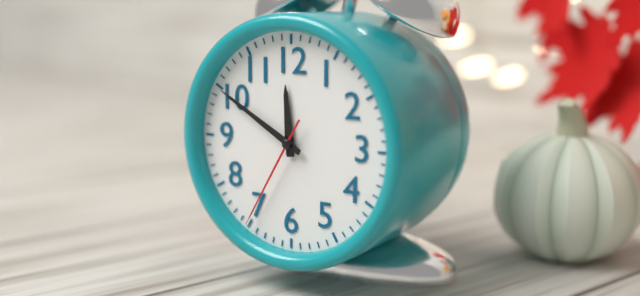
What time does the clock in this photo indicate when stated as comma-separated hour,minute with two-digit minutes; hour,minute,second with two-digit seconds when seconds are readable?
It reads 11,50,35
